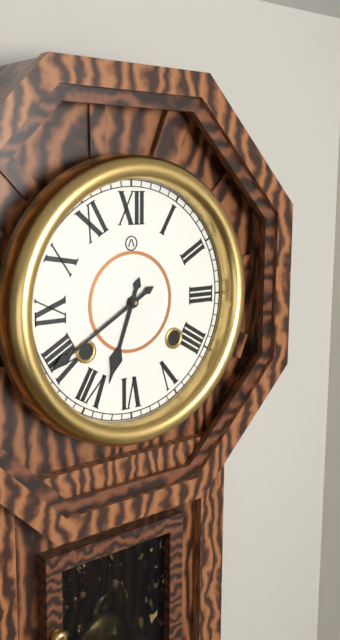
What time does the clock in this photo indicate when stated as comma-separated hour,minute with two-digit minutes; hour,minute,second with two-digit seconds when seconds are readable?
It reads 6,40
